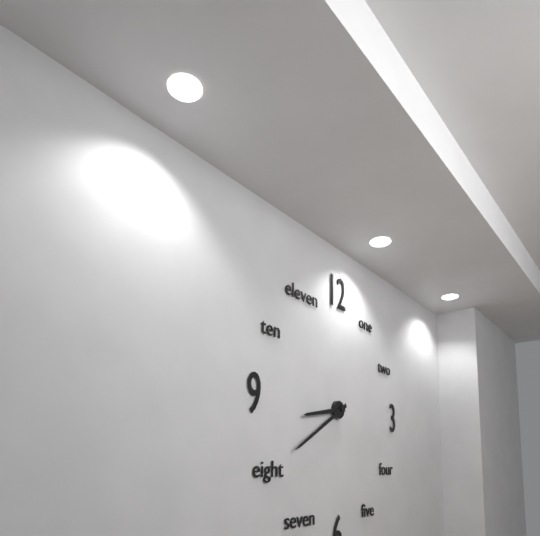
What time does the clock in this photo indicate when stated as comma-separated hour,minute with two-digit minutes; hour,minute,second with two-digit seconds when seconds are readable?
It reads 8,40
